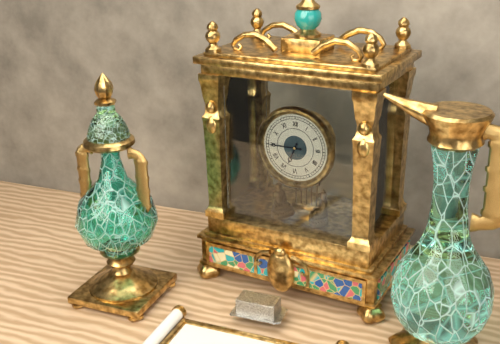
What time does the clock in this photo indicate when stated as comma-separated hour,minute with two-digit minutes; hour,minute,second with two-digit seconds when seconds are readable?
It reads 6,45
